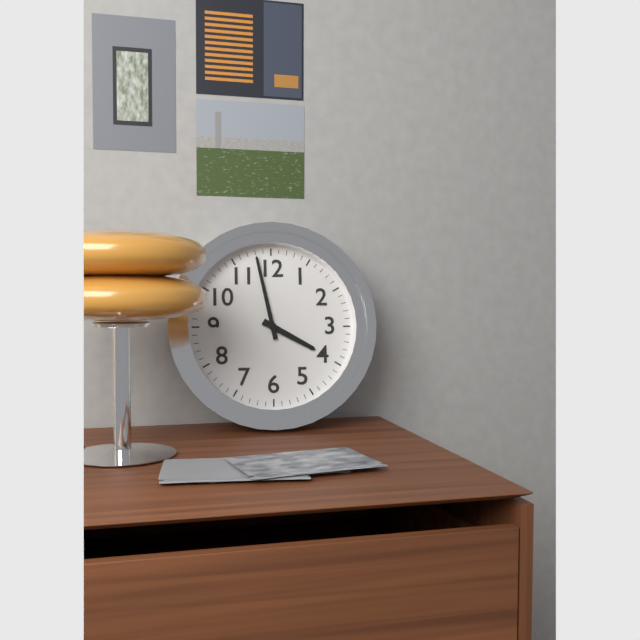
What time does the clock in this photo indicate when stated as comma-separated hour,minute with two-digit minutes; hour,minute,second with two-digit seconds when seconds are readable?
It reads 3,58
